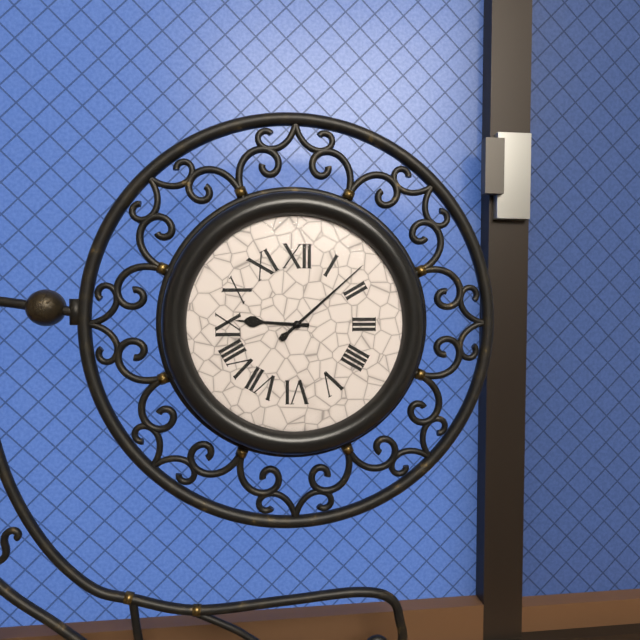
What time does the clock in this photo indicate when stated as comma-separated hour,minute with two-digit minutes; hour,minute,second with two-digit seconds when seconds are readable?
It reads 9,08
